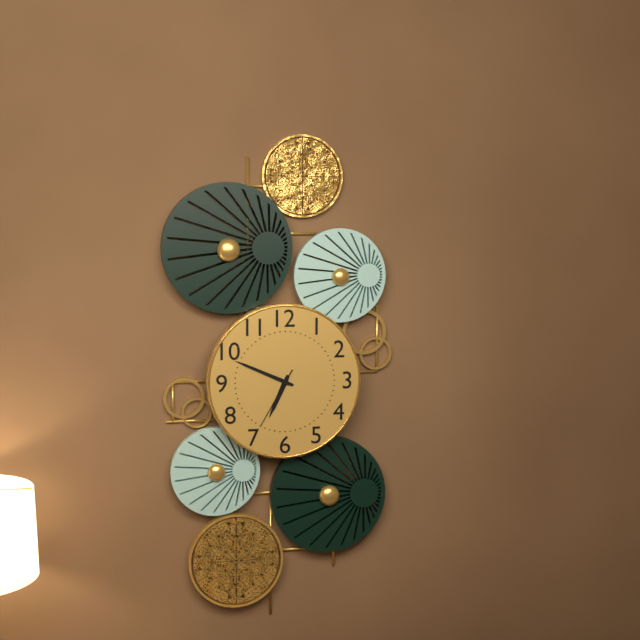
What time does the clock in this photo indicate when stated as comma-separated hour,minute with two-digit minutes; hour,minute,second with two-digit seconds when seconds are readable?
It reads 6,49,35
